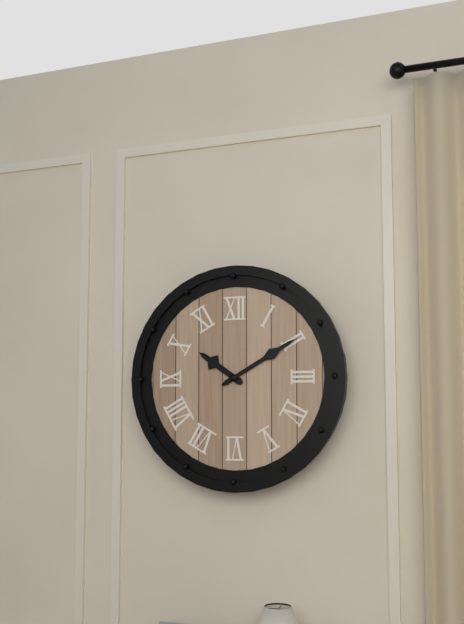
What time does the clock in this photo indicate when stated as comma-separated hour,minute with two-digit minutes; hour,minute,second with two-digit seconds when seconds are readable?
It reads 10,10
